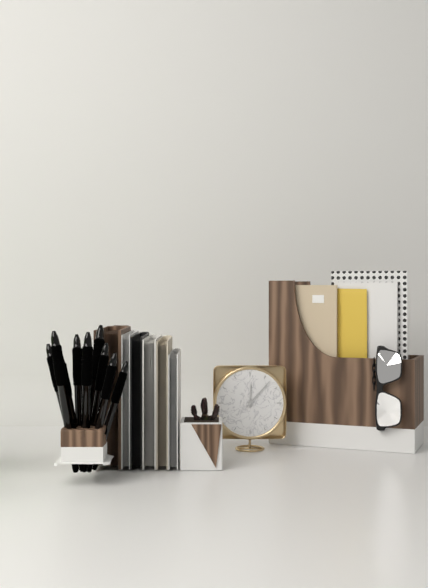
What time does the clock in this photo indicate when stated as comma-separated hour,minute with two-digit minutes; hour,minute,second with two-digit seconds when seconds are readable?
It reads 12,07
